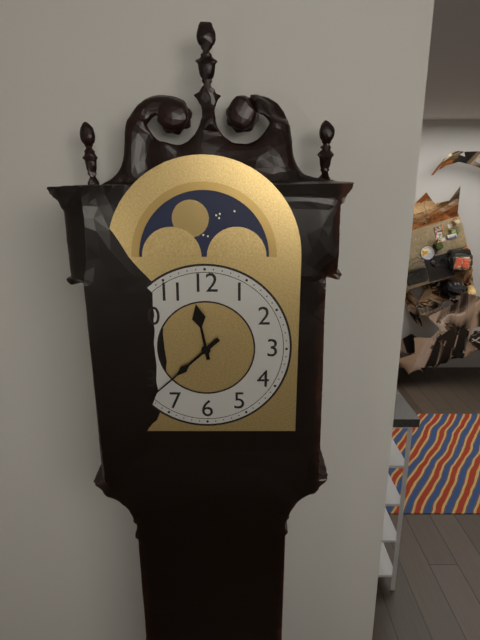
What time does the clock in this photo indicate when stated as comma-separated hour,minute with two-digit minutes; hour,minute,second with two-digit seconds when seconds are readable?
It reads 11,38
